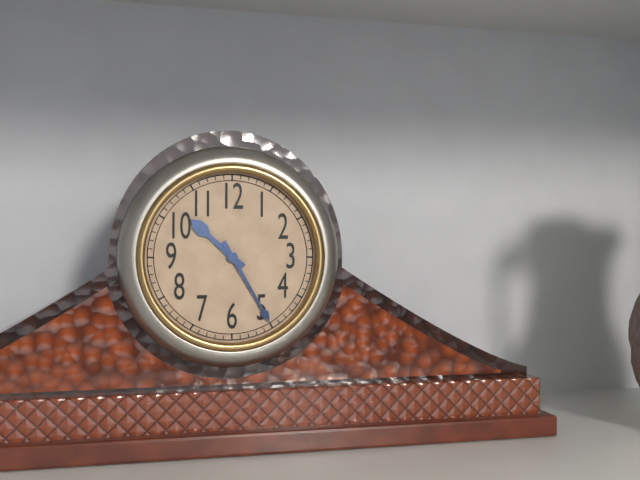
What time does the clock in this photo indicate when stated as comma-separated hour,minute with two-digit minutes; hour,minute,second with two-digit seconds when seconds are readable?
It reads 10,25
